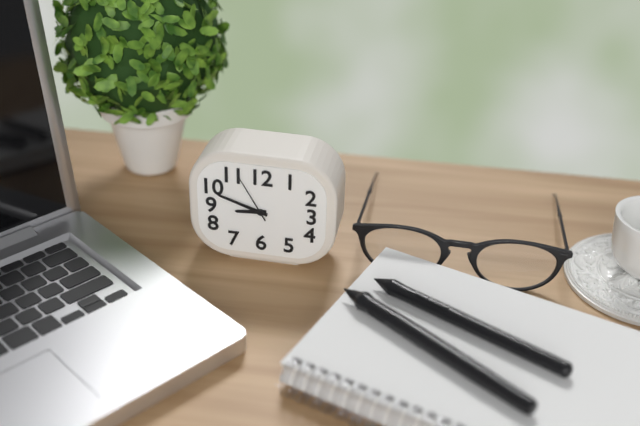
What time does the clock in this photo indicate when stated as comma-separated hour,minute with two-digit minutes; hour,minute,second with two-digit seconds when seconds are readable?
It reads 8,48
